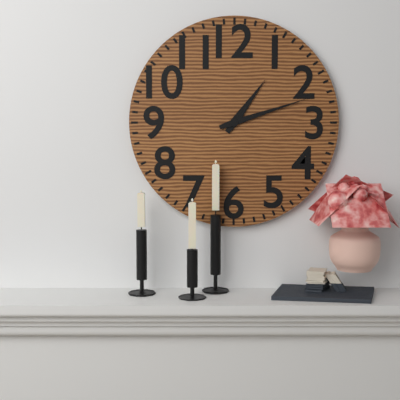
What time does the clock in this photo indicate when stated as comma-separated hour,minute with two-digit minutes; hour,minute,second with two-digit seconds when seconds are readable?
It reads 1,12
